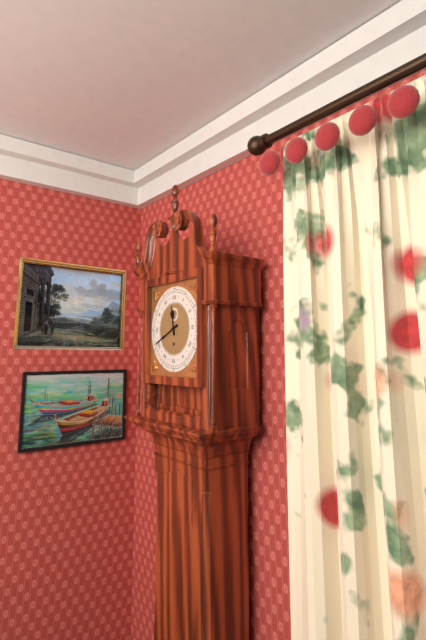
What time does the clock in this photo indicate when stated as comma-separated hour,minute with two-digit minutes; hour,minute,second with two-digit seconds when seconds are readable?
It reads 11,41
